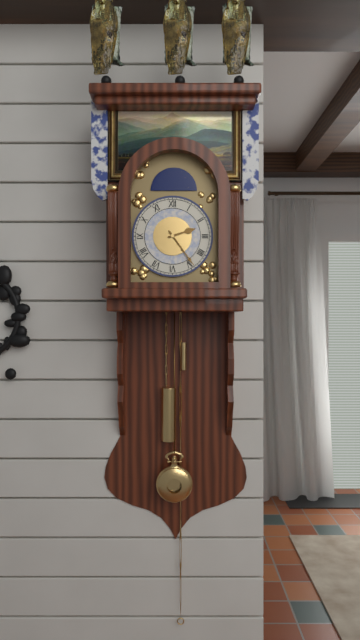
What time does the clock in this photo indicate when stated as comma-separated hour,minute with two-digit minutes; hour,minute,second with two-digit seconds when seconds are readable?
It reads 2,24
